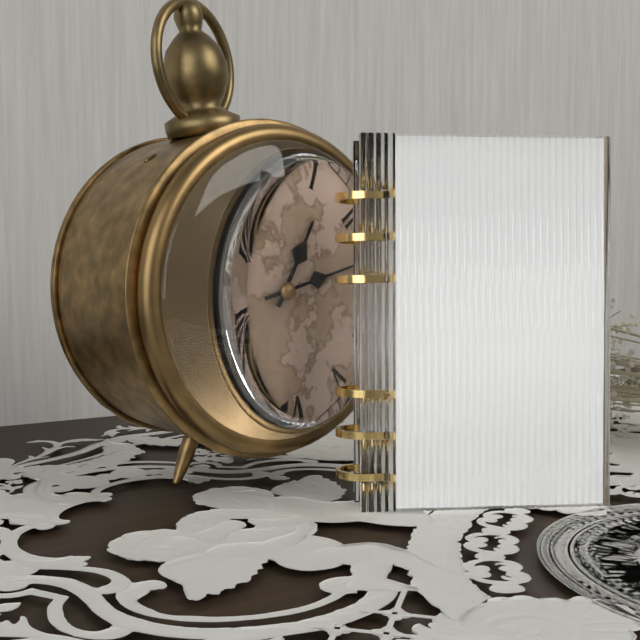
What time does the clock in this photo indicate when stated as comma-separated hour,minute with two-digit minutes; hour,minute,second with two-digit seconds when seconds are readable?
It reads 1,14
